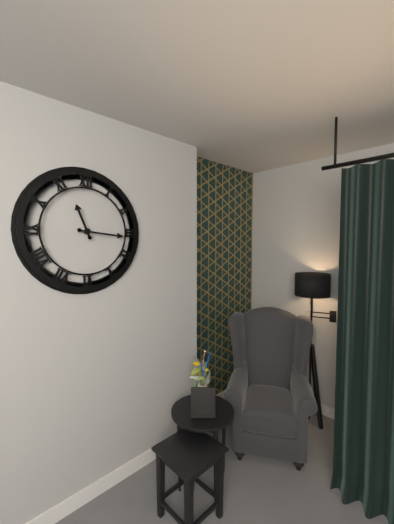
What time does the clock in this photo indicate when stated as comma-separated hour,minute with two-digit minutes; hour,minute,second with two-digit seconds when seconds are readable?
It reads 11,16
